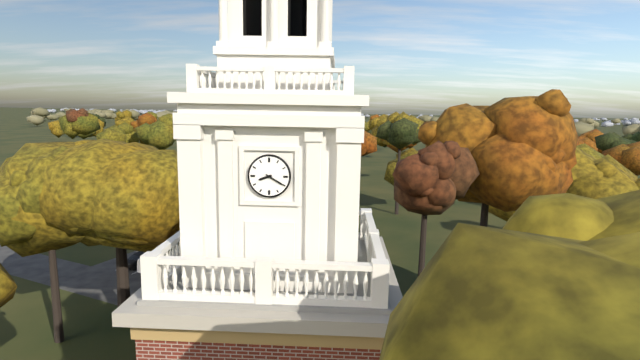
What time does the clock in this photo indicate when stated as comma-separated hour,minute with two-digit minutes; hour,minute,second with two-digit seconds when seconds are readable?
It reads 8,20
